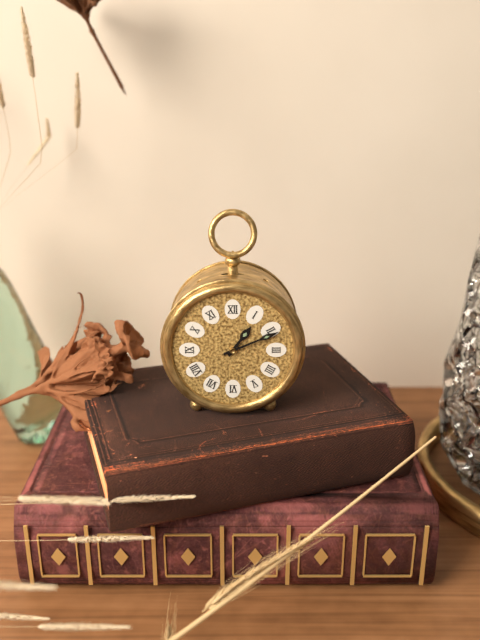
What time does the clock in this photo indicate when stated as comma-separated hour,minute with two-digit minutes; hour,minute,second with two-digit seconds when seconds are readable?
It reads 1,11
